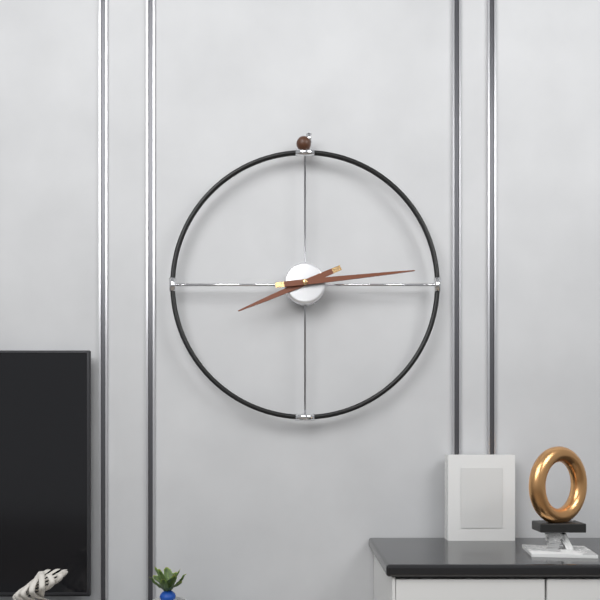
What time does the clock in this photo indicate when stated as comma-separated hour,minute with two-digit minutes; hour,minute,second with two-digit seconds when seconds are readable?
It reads 8,14
